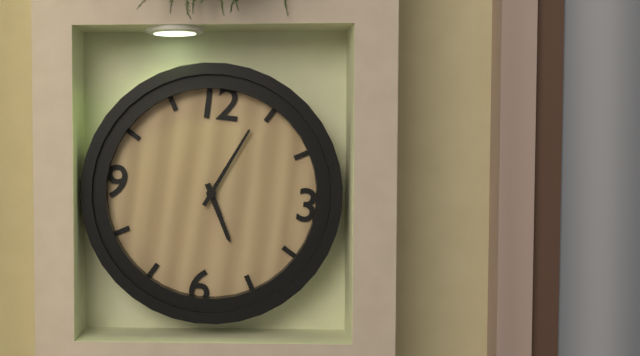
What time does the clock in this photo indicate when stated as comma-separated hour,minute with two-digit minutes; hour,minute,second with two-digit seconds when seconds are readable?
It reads 5,04
